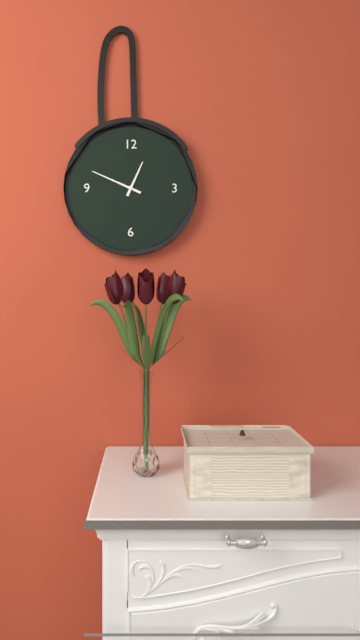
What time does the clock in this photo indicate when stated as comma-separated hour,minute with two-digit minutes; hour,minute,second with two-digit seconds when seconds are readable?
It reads 12,49
